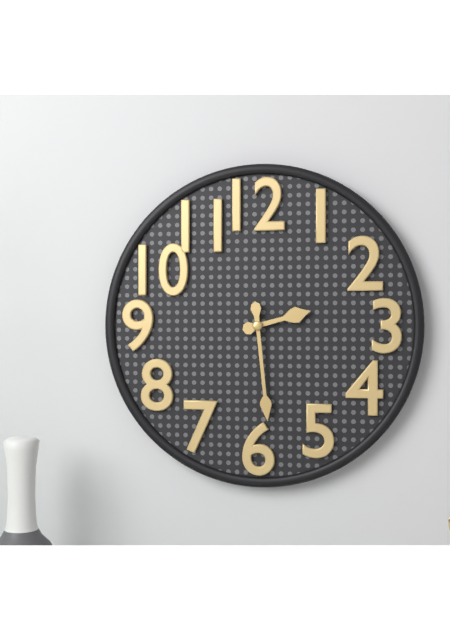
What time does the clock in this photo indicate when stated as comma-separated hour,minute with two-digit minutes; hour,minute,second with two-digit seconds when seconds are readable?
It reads 2,29
